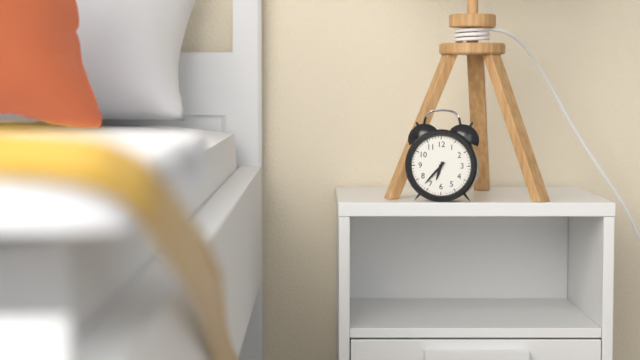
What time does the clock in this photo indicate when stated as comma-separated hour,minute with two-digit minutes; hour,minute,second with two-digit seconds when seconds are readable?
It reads 6,37
